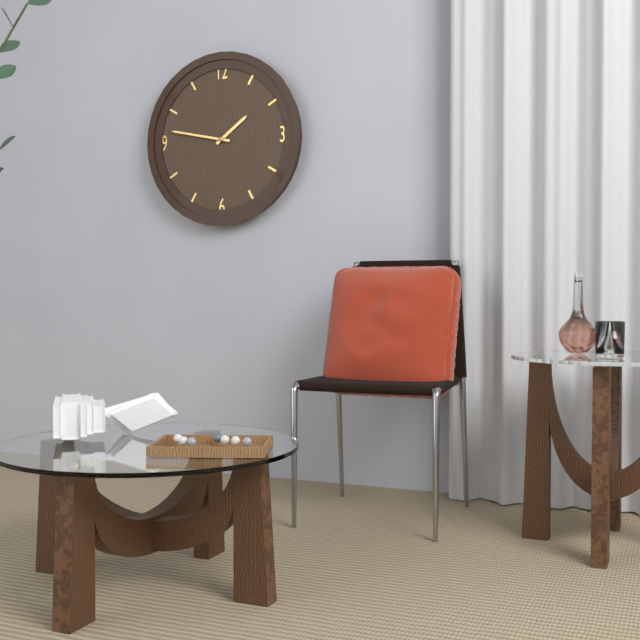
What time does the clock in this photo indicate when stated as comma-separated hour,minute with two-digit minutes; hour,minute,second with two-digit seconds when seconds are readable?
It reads 1,47
